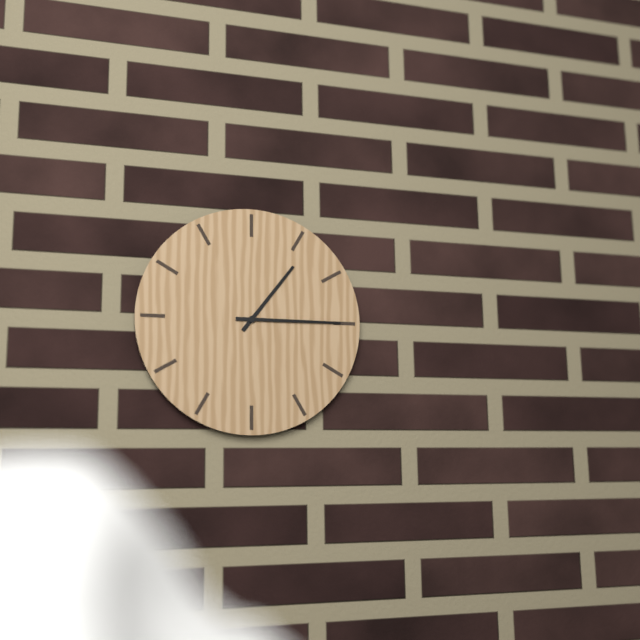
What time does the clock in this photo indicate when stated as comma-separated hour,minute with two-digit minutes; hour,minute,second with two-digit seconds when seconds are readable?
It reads 1,15
